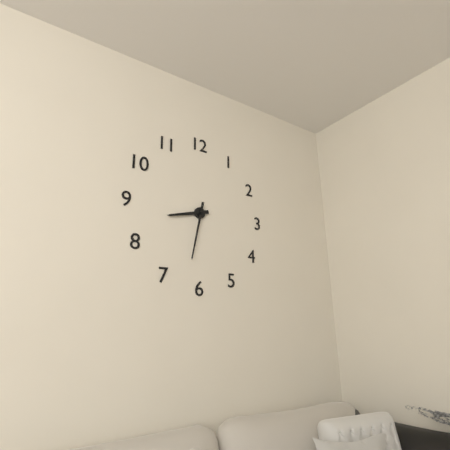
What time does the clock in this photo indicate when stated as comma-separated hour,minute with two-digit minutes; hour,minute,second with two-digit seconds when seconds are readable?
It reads 8,32
